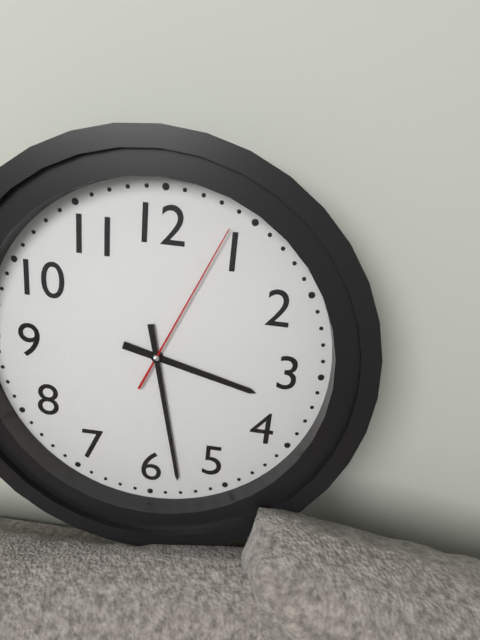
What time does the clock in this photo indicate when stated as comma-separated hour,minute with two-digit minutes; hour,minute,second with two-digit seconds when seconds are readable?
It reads 3,28,04
